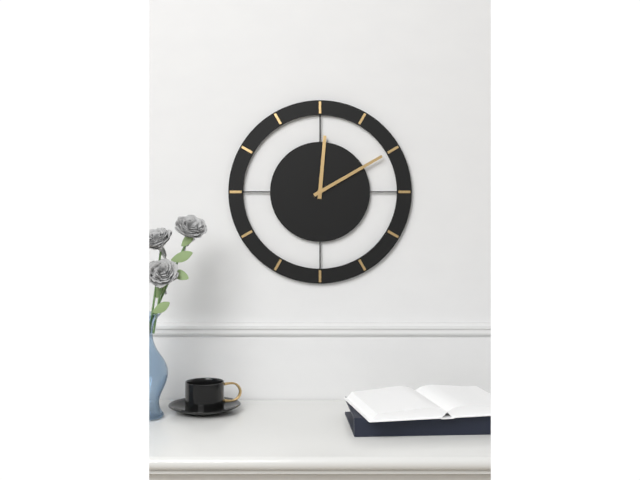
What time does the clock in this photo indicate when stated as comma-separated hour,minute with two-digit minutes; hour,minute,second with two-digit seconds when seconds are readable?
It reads 12,10
